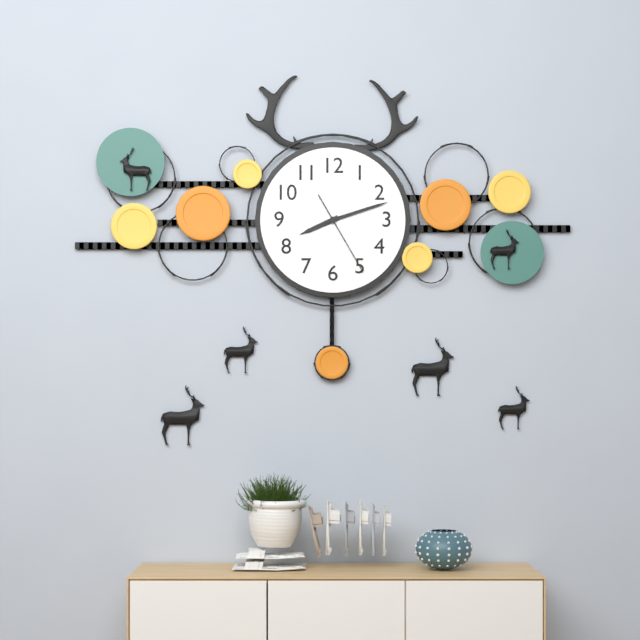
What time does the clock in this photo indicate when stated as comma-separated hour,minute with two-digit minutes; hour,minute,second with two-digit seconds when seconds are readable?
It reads 8,12,25
